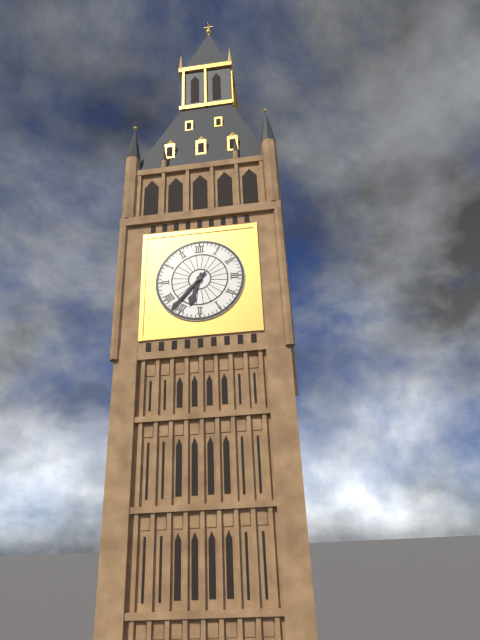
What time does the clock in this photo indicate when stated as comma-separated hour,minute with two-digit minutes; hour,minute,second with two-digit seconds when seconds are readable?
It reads 6,37
